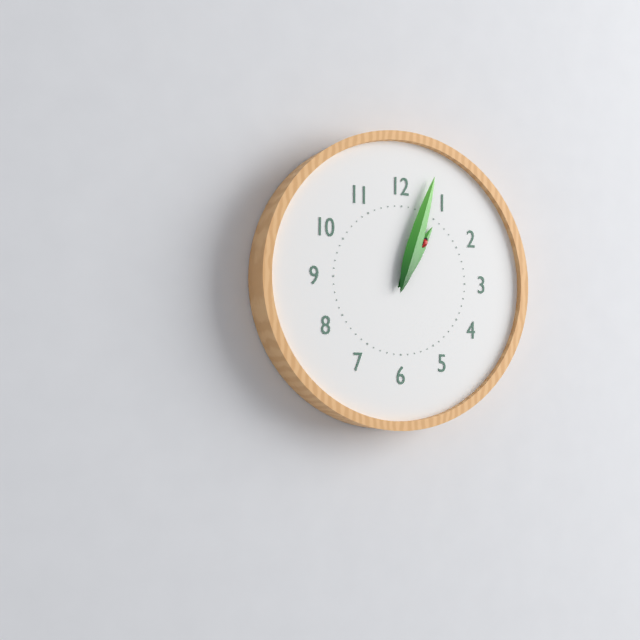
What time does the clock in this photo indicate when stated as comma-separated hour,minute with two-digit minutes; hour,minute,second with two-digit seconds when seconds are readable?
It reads 1,03
